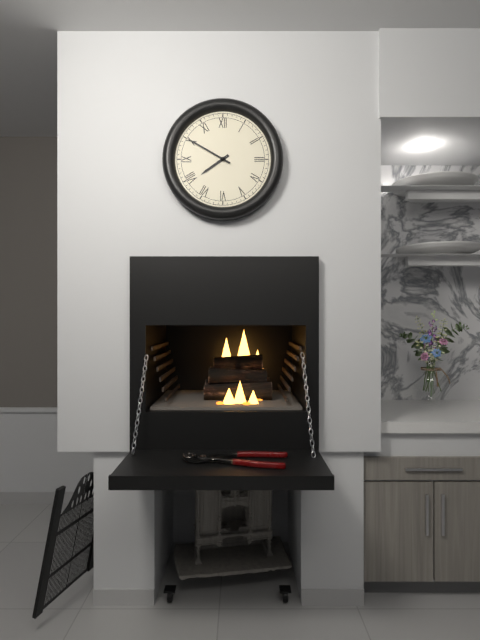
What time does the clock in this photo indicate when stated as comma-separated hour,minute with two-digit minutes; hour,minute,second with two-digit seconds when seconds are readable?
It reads 7,50
